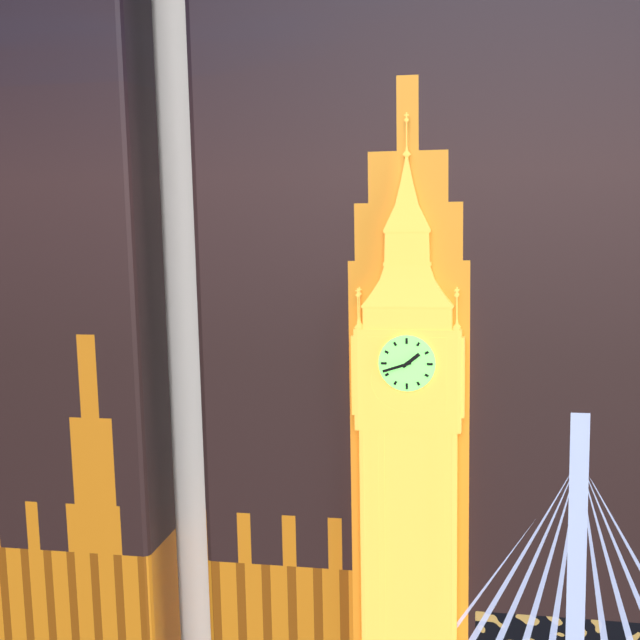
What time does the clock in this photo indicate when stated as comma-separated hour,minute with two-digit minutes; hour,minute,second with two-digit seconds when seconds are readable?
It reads 1,42
